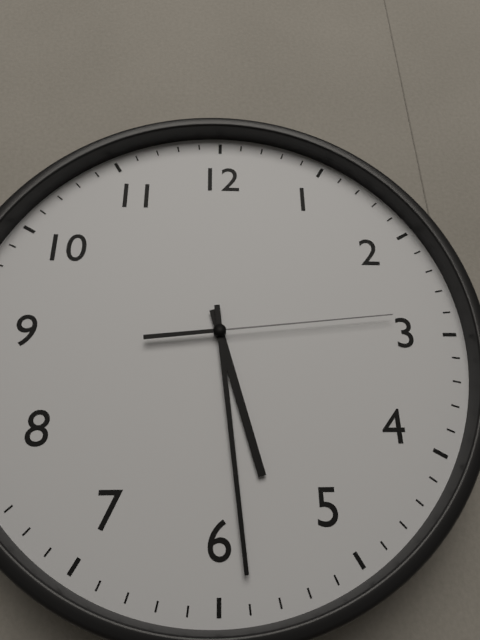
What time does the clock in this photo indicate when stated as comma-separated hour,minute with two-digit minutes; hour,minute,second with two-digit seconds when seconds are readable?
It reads 5,29,14
